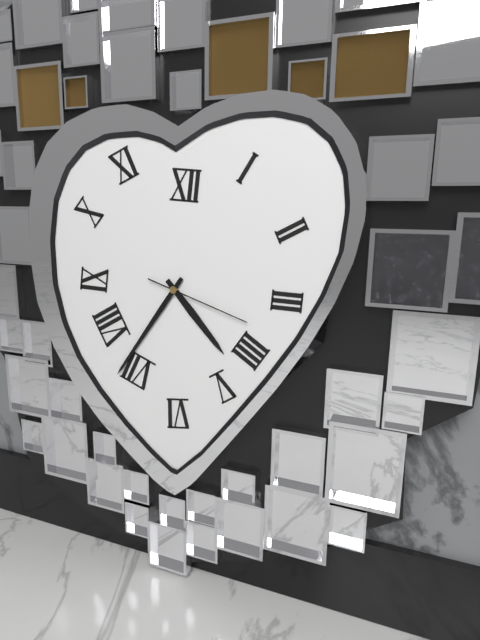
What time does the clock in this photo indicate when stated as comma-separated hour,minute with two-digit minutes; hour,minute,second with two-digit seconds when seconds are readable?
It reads 4,36,18
